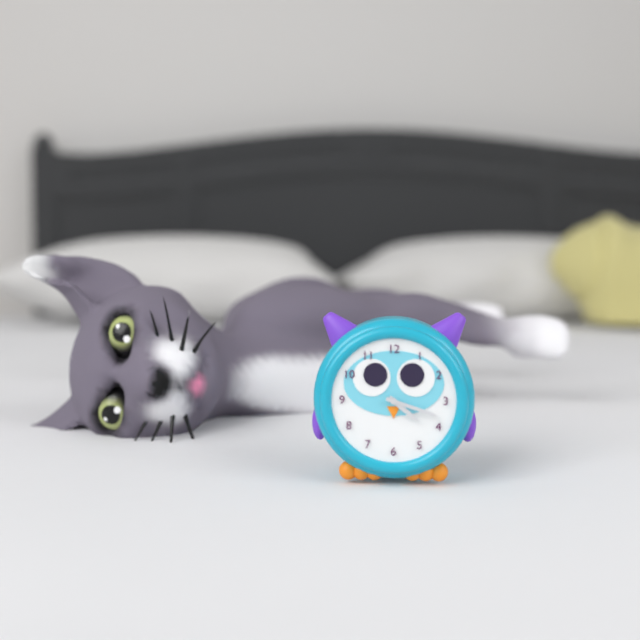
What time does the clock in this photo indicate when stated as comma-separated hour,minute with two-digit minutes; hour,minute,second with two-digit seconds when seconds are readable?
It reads 4,18
